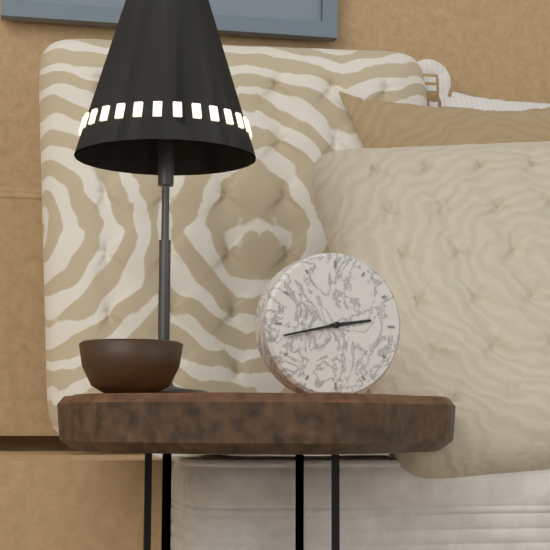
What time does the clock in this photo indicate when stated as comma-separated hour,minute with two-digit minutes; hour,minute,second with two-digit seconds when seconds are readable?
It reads 2,43
